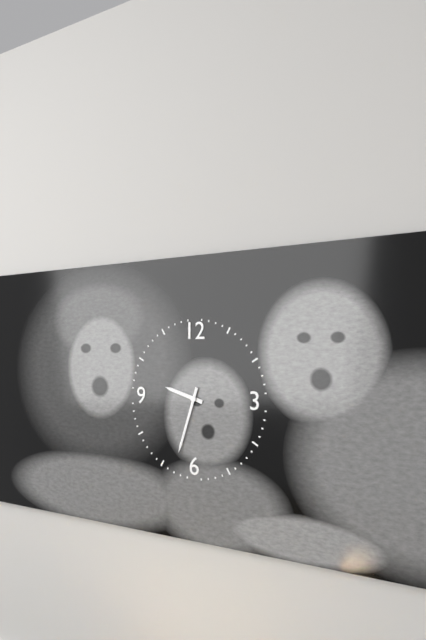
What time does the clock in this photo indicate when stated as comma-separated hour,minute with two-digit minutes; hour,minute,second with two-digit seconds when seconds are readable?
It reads 9,33
